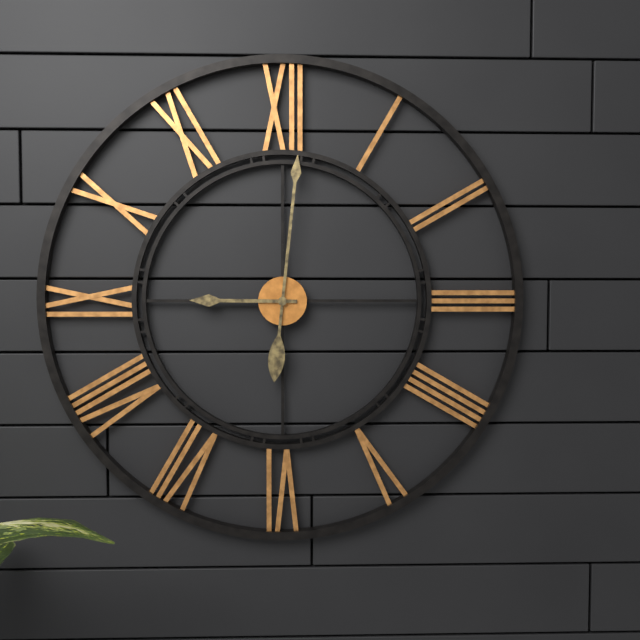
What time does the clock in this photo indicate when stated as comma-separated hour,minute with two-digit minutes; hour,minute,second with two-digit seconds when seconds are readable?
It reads 9,01
